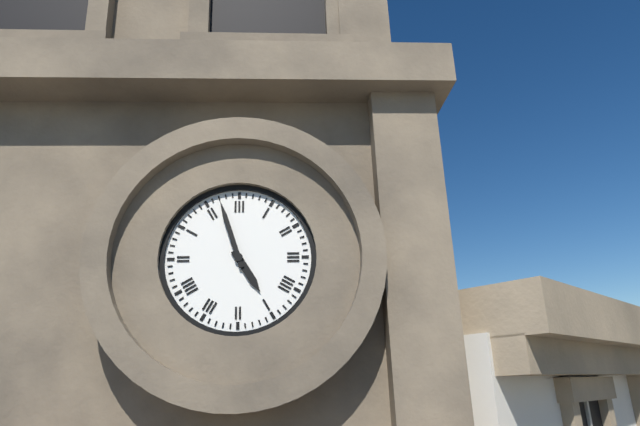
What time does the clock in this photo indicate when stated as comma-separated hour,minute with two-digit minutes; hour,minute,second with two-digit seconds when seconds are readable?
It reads 4,57
